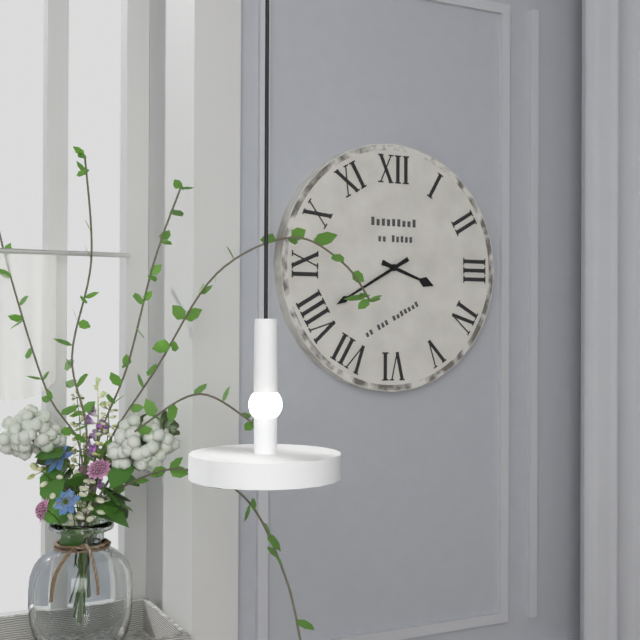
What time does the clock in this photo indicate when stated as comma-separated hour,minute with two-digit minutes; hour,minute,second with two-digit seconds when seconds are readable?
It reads 3,40
